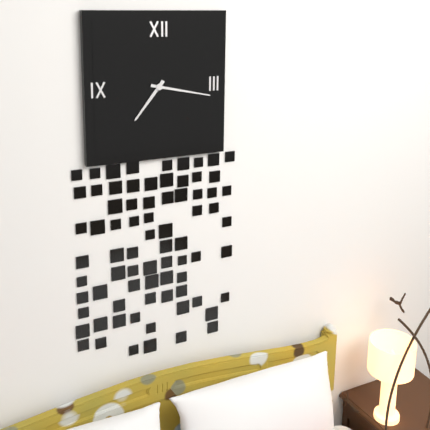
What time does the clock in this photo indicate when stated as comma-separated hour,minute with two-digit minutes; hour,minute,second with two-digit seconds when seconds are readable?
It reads 7,17
